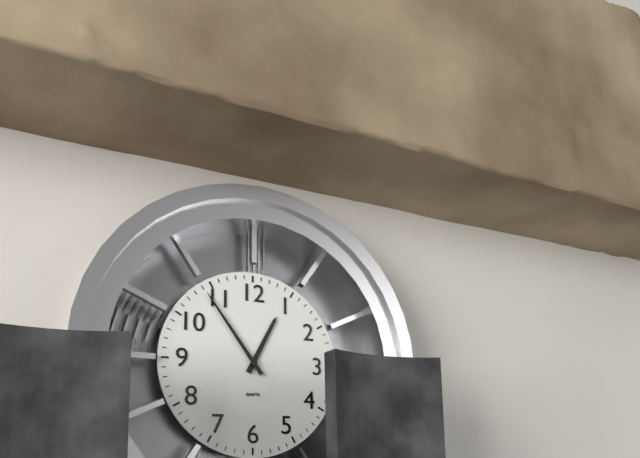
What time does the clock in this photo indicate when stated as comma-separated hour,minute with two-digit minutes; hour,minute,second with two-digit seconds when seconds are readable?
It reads 12,54
